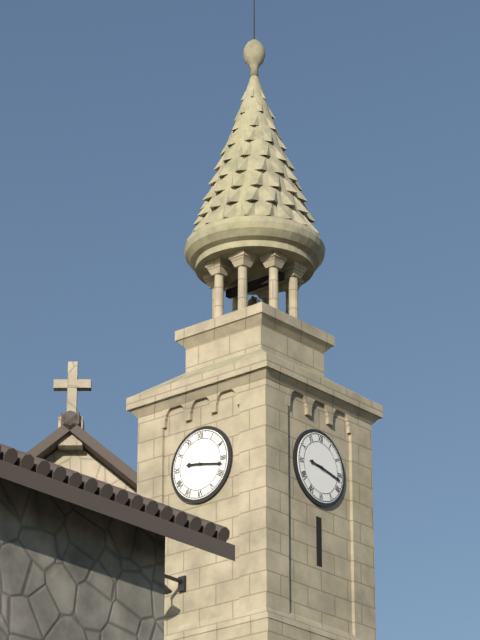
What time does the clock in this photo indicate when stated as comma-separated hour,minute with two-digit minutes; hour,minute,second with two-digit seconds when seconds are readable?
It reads 9,17
